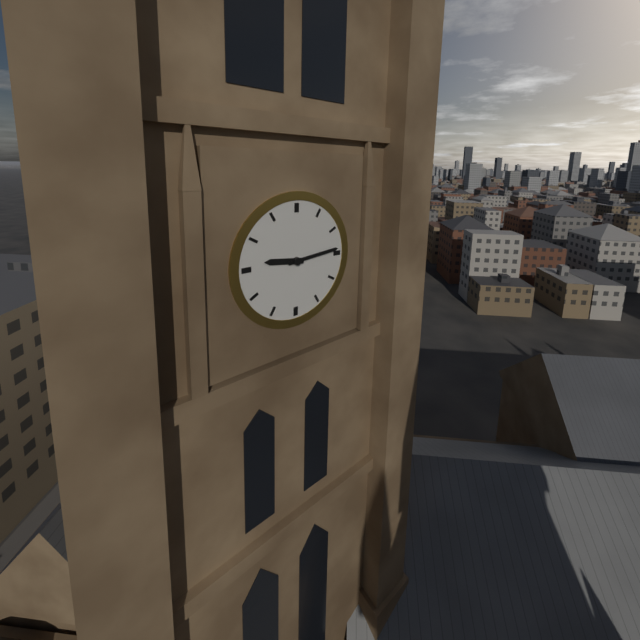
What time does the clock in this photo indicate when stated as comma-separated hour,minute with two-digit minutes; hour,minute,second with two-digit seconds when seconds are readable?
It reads 9,14
